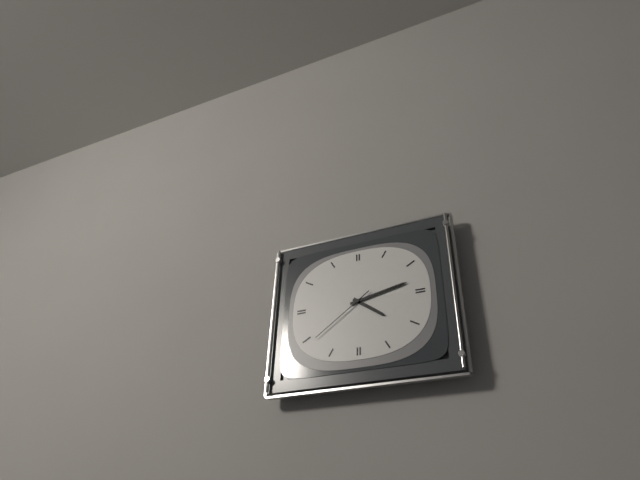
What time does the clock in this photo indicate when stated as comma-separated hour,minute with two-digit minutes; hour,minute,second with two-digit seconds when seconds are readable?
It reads 4,13,39
